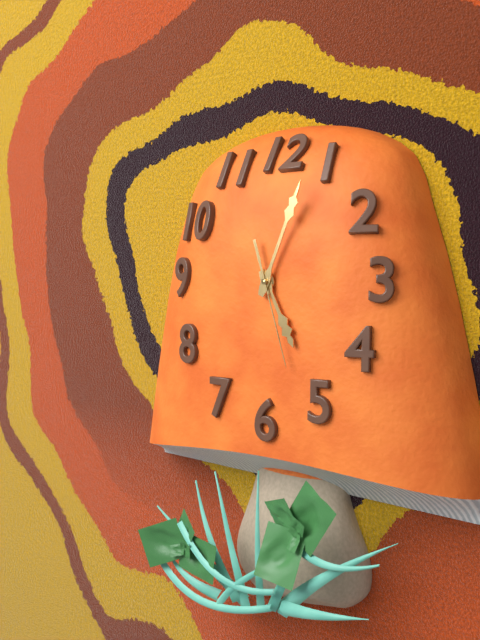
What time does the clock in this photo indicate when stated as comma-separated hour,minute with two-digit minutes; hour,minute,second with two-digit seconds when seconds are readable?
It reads 5,04,27
